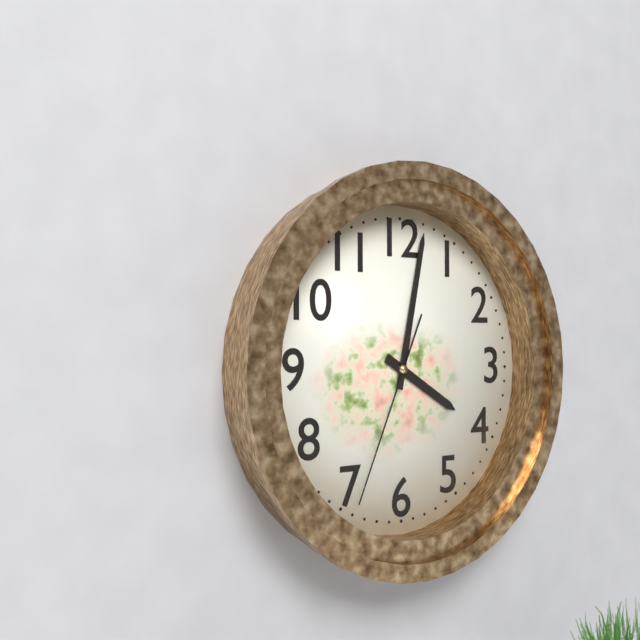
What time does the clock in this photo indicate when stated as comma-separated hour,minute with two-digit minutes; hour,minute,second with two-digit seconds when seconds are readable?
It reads 4,02,34
